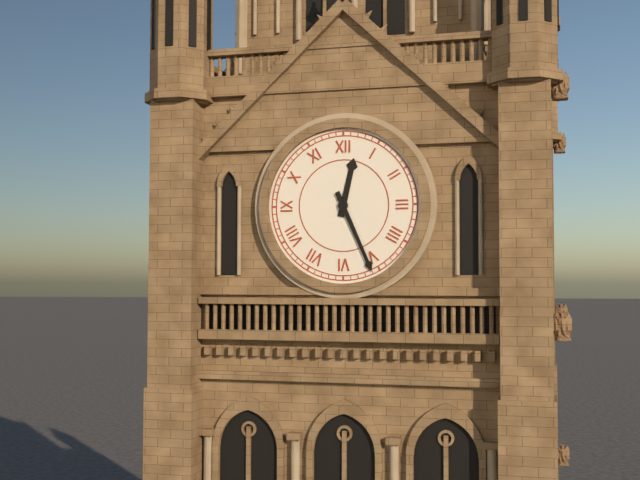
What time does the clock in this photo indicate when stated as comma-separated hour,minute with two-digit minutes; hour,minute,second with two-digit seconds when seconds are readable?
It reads 12,26
